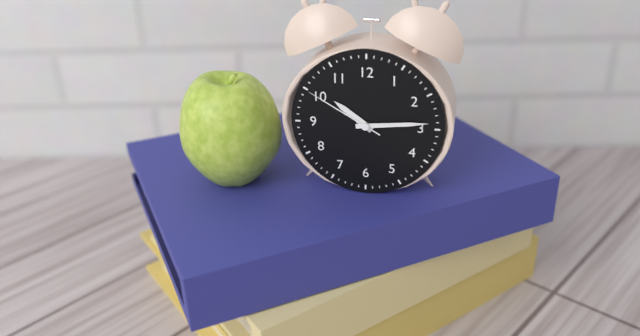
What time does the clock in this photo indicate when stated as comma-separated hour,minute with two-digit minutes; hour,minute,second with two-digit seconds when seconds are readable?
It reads 10,14,50
